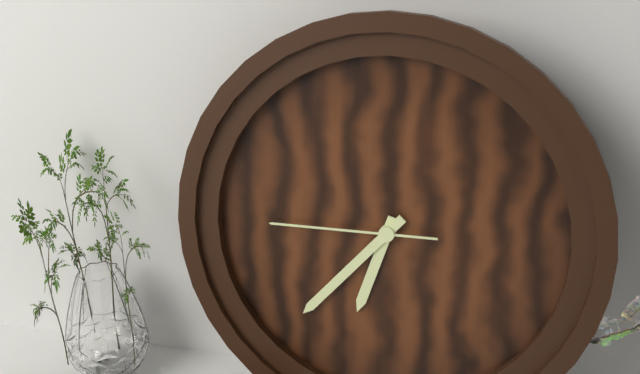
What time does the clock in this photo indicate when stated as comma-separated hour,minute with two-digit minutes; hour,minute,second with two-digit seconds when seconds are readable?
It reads 6,37,45
